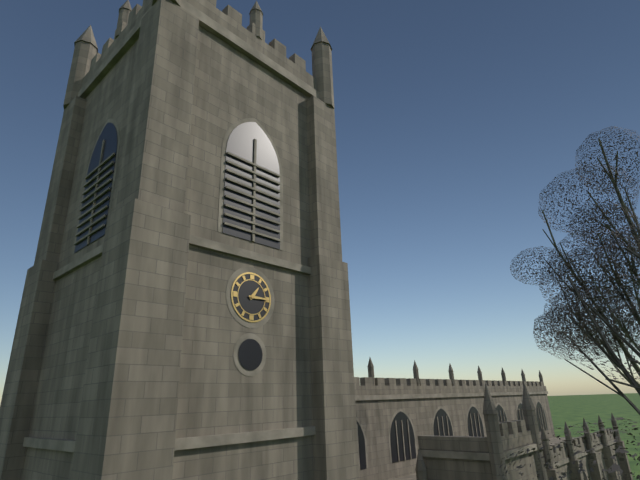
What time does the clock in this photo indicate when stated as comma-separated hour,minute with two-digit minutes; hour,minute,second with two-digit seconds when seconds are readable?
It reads 1,15
